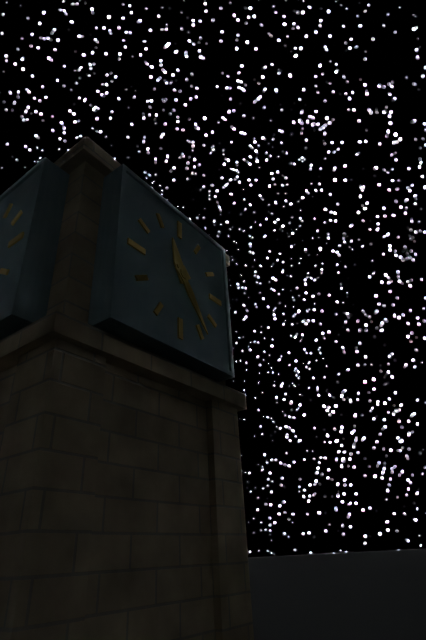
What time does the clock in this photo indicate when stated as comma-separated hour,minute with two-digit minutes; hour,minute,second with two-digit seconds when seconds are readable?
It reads 11,24
